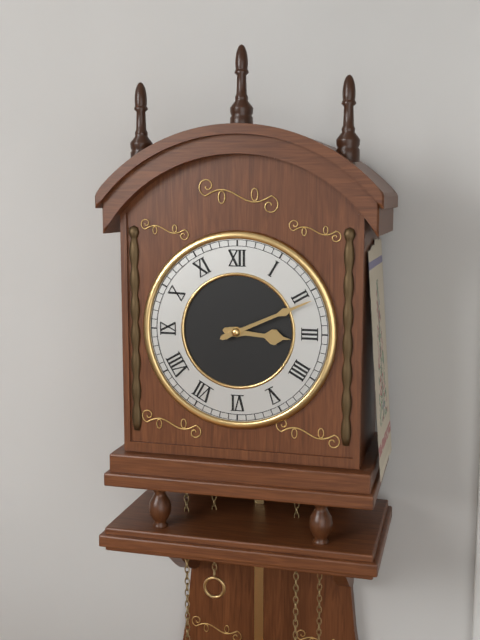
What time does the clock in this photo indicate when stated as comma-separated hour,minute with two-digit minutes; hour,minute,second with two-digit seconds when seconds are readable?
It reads 3,11
